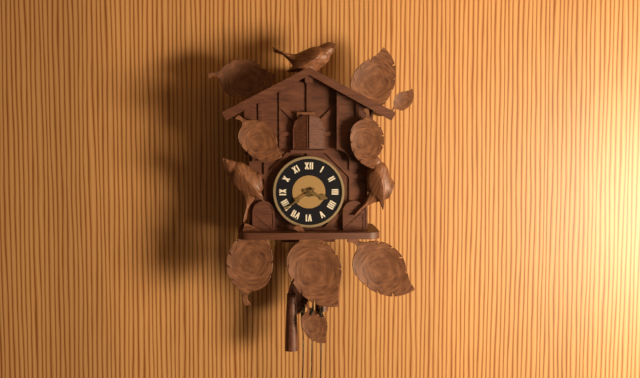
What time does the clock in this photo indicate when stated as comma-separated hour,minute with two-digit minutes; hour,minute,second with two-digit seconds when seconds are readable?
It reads 3,39
